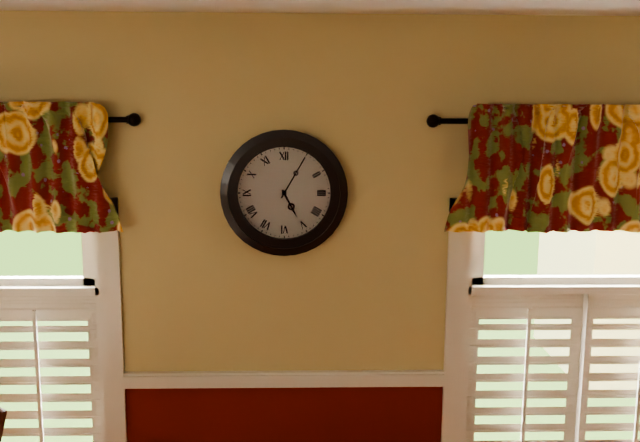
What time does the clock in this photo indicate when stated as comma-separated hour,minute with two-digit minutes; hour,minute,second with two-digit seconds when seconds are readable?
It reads 5,05
